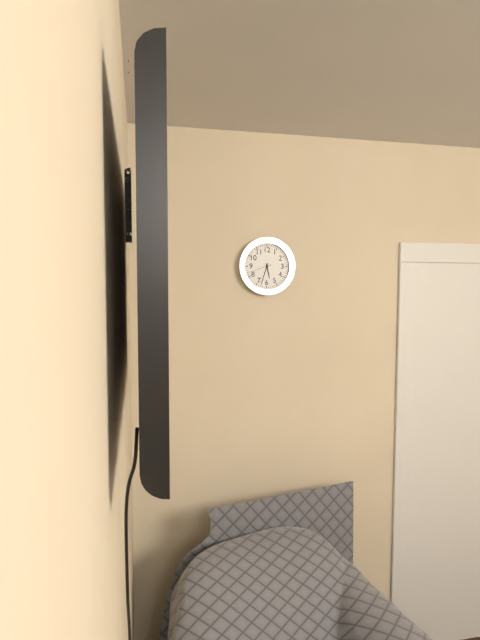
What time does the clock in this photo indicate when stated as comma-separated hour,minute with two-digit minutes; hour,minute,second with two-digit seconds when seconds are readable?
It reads 5,33
